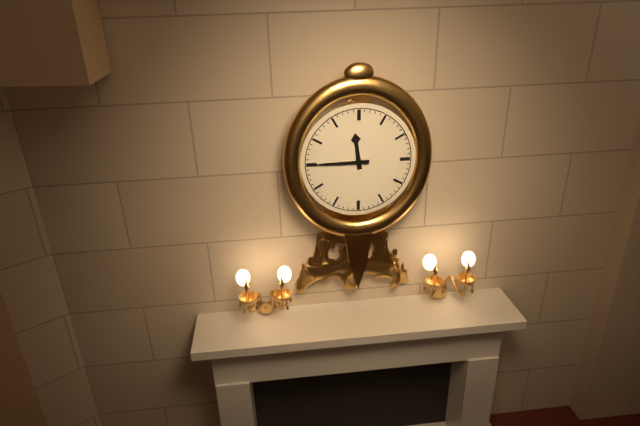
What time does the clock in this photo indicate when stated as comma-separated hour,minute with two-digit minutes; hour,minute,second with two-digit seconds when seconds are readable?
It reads 11,45
